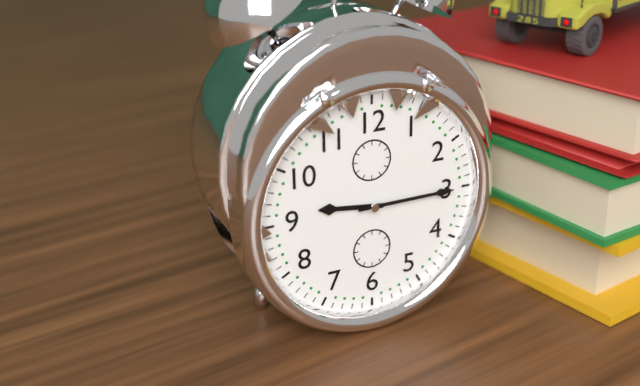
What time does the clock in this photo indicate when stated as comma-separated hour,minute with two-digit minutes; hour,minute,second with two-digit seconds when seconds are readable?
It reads 9,15
